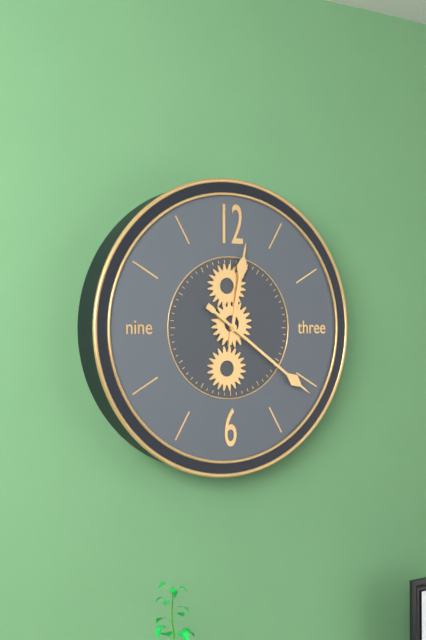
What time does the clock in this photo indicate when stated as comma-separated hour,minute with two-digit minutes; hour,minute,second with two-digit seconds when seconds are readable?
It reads 12,21
